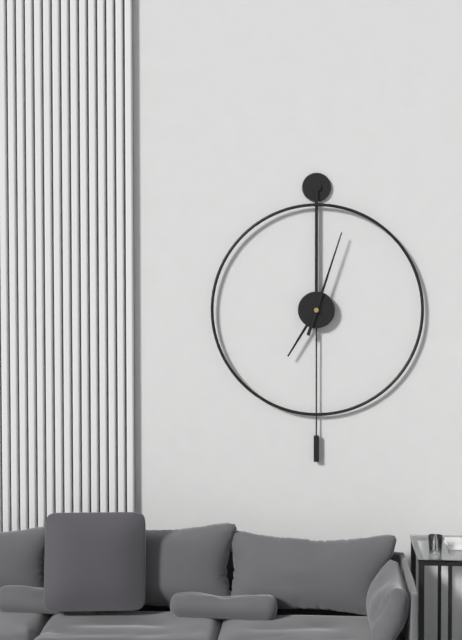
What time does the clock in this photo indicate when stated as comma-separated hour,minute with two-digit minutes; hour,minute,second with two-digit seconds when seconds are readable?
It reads 7,03
